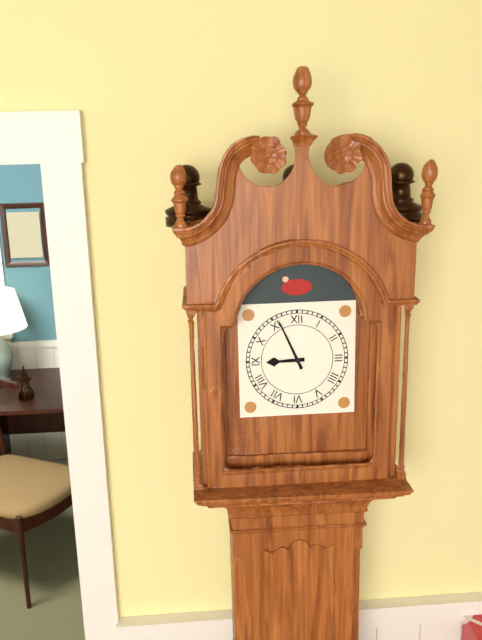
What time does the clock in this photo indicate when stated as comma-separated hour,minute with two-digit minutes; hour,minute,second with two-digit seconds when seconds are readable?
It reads 8,56
